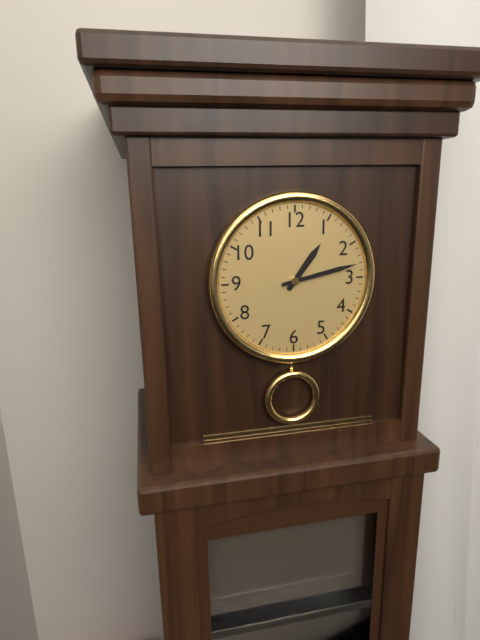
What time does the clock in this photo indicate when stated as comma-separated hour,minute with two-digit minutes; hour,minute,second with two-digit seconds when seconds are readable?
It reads 1,13
